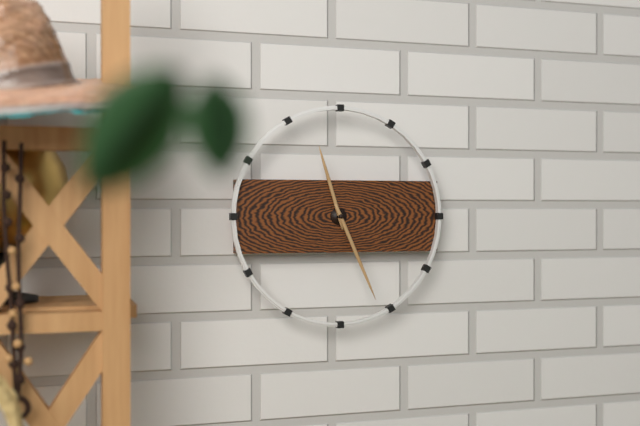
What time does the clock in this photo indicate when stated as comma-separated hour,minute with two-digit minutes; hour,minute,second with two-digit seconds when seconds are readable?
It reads 11,26
